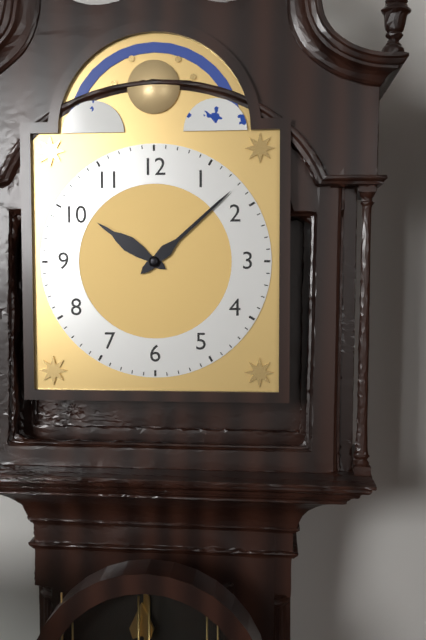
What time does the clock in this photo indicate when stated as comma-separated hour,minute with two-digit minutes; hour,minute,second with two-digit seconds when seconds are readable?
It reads 10,08
